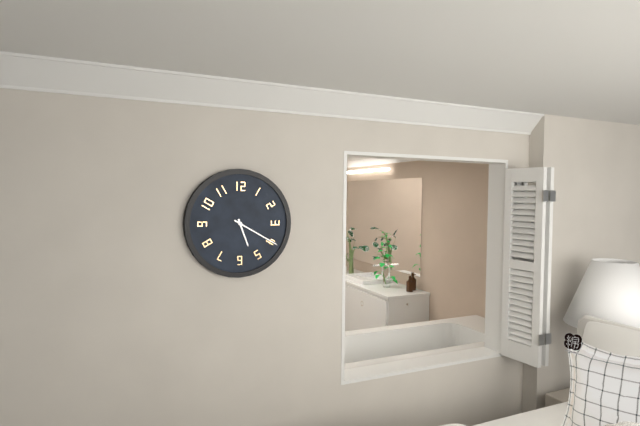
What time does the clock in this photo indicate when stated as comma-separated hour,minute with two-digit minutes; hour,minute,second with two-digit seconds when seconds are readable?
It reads 5,20
